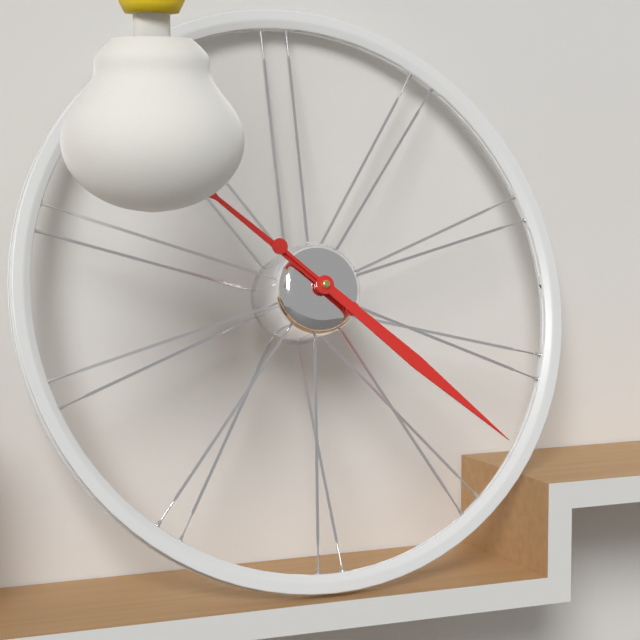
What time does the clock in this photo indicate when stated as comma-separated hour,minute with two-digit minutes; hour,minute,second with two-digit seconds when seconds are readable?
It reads 10,22
